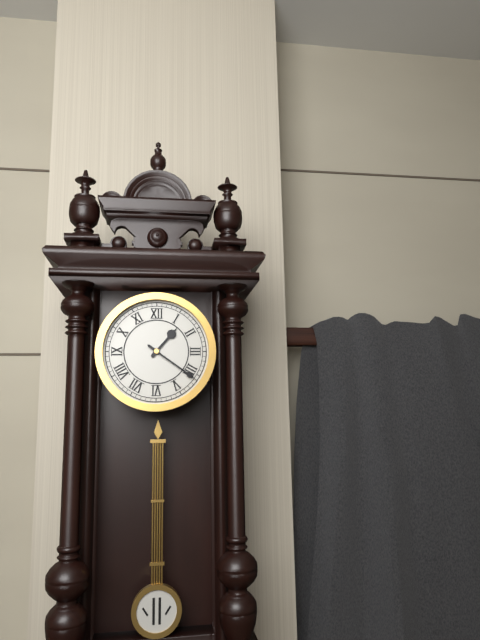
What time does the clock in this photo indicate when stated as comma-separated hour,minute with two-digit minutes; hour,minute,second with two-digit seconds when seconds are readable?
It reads 1,21
